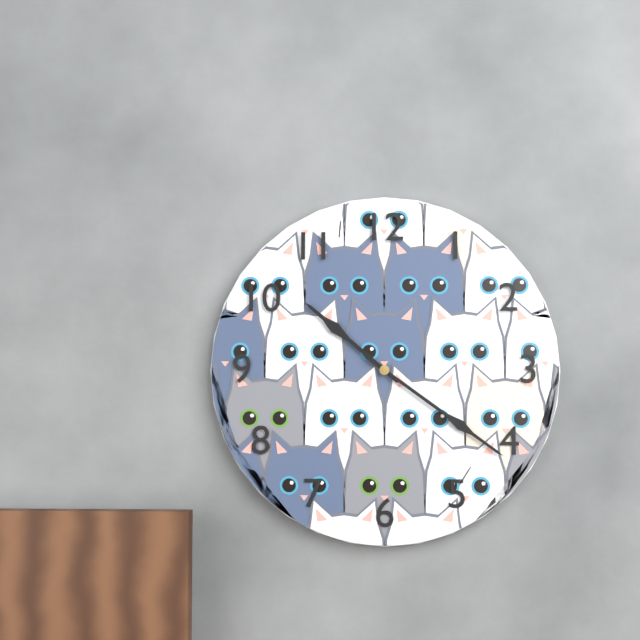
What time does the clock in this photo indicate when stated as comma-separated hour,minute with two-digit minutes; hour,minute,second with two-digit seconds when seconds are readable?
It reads 10,21
